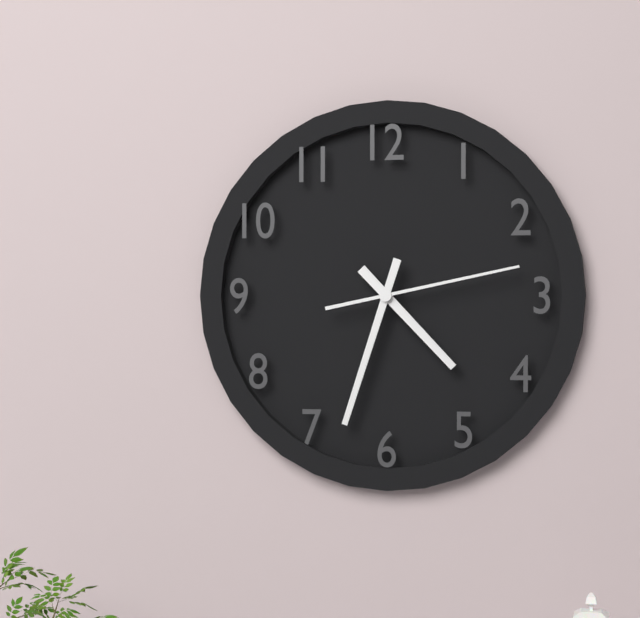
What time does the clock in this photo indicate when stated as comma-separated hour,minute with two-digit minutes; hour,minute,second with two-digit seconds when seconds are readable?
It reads 4,33,13
